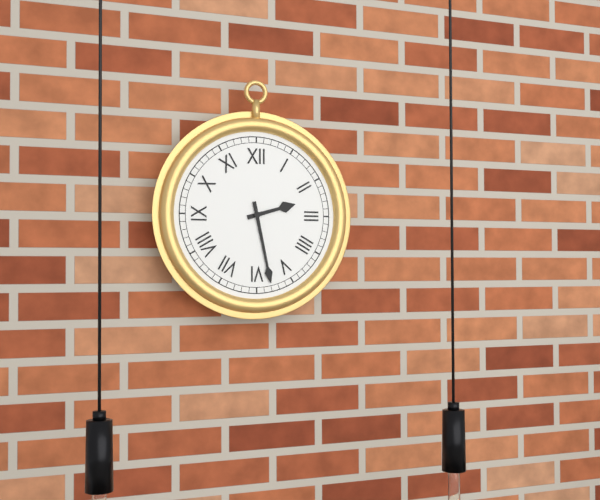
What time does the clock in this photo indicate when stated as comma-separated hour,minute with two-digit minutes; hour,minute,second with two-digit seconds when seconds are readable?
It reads 2,28
